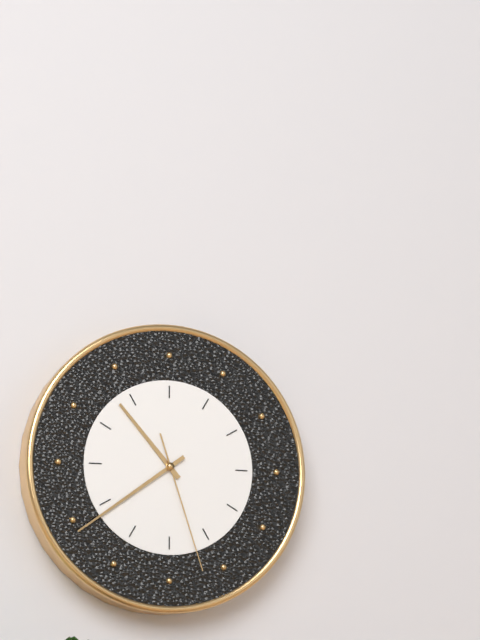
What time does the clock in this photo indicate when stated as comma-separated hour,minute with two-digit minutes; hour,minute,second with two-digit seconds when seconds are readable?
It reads 10,39,27
